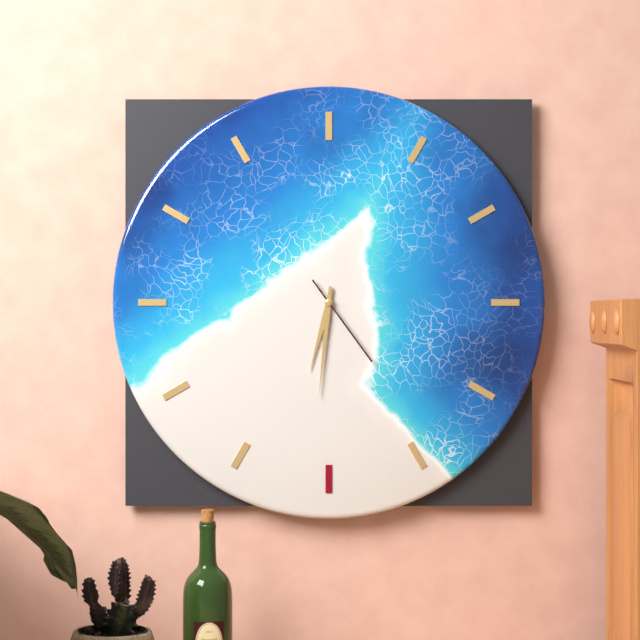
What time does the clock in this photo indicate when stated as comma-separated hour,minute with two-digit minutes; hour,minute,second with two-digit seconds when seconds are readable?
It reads 6,31,24
